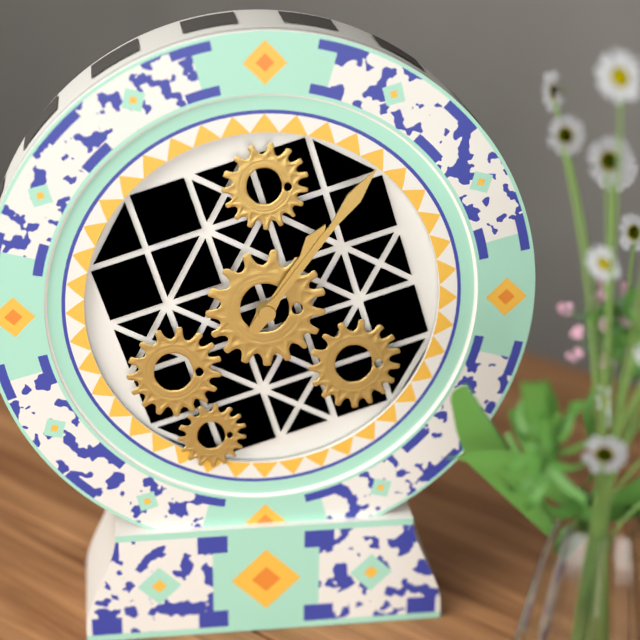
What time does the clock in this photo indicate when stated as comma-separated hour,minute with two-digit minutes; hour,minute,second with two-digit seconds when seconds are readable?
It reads 1,06
